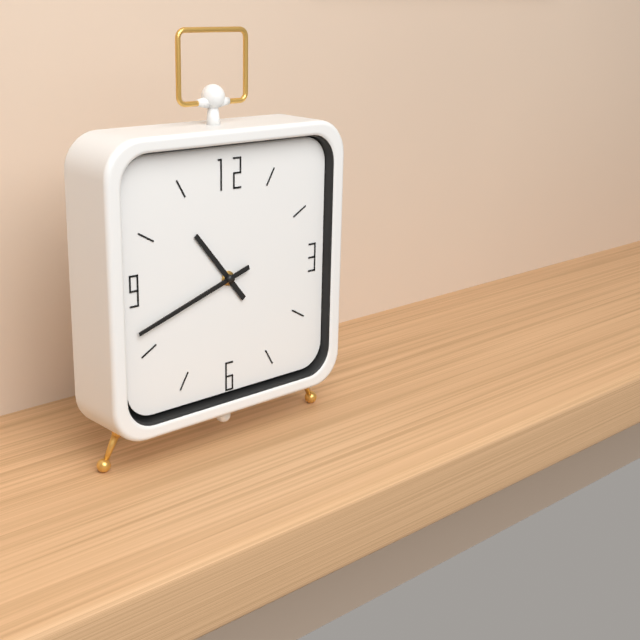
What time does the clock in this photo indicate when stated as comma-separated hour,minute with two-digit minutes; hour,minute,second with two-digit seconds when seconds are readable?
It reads 10,42
